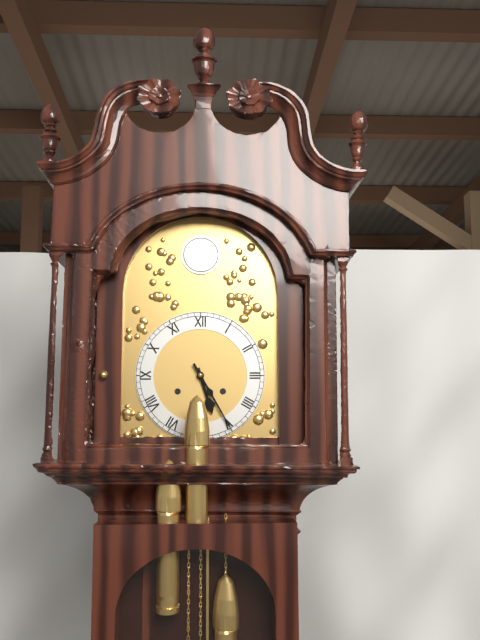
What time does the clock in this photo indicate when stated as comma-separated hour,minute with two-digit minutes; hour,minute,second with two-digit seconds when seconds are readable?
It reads 5,25
